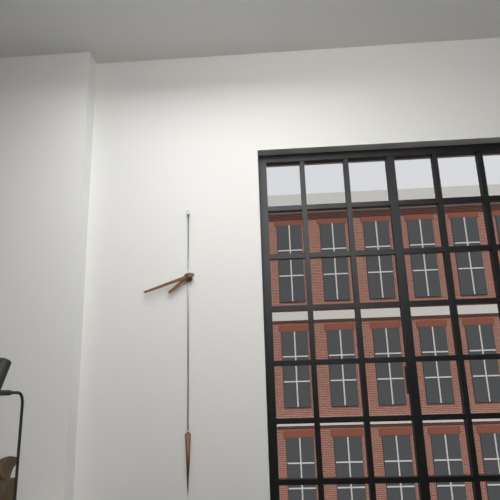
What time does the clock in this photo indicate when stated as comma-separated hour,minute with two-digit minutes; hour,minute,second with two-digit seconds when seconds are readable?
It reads 7,42
